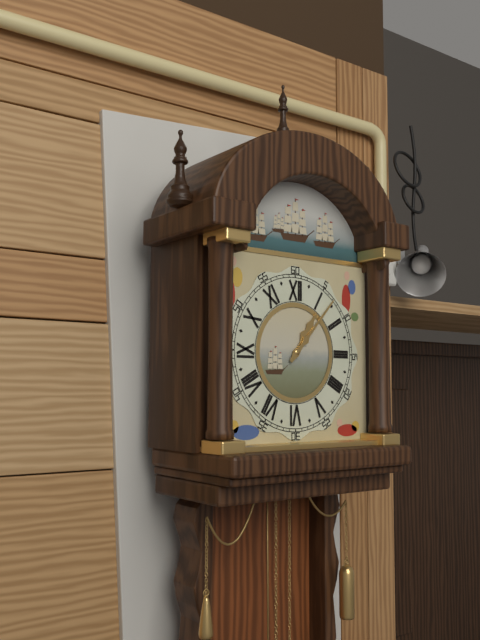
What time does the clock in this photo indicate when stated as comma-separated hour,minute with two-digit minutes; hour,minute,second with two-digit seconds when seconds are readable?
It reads 1,07
